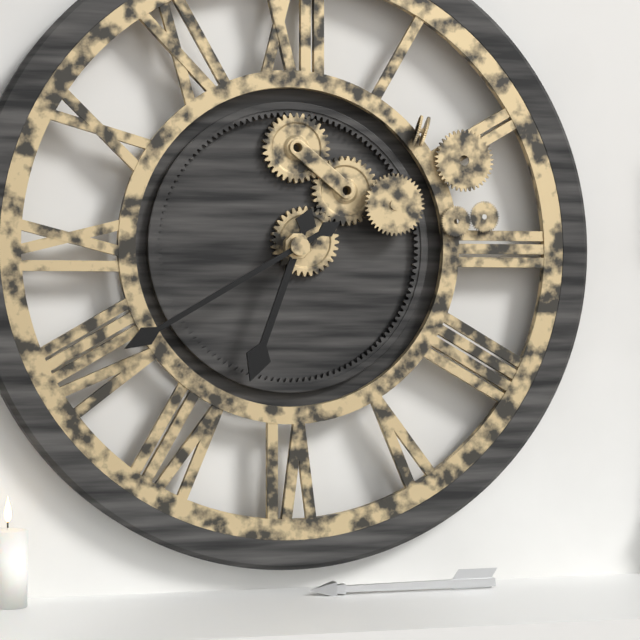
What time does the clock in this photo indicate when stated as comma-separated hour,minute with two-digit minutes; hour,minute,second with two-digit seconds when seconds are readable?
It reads 6,40
